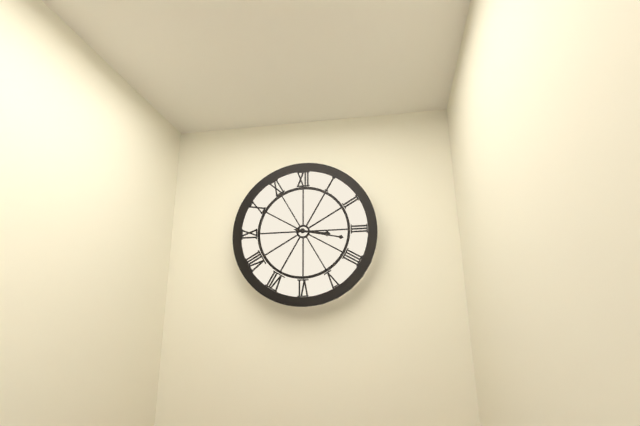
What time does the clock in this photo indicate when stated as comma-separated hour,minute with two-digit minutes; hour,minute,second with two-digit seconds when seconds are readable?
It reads 3,17
